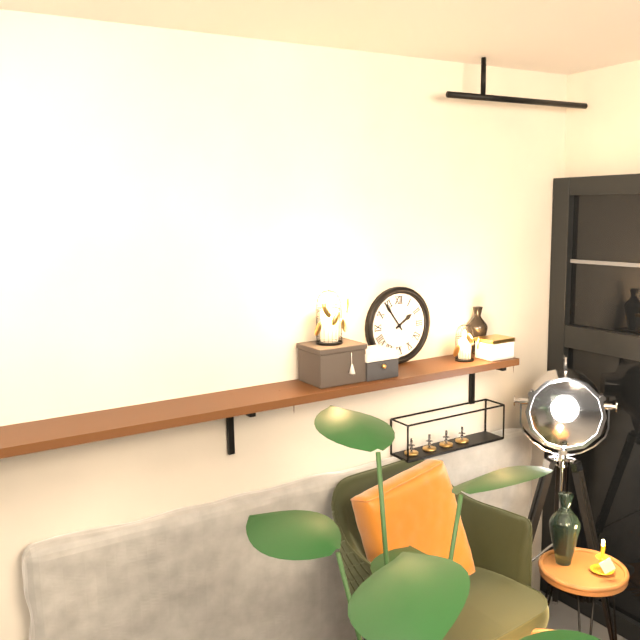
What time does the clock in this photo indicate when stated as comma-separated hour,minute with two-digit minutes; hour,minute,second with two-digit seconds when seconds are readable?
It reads 1,54
